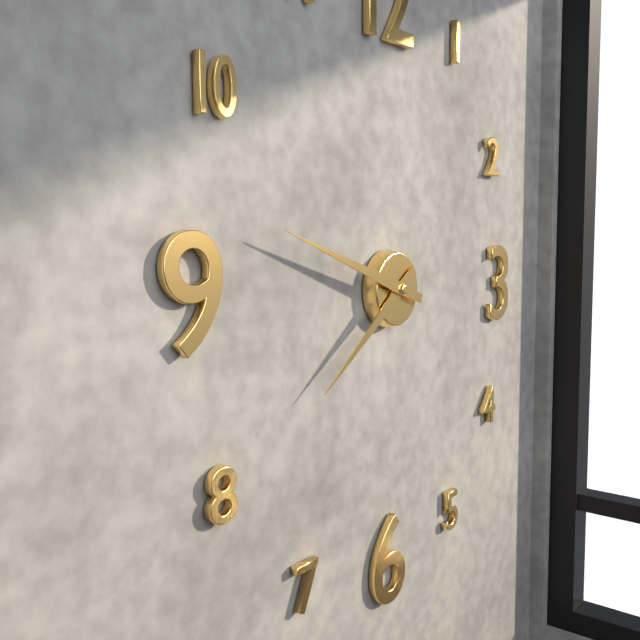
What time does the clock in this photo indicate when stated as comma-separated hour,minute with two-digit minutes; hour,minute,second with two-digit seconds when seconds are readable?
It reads 7,48
